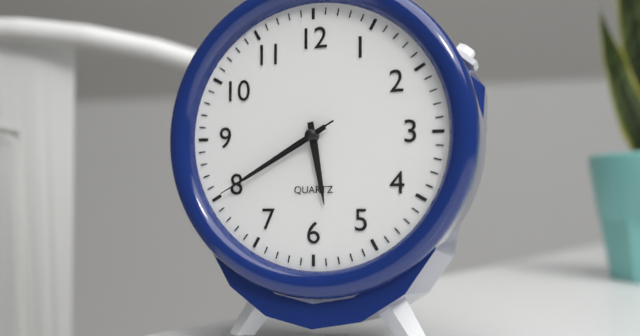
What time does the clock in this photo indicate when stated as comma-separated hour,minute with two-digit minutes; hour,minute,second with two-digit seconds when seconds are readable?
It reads 5,40,40
